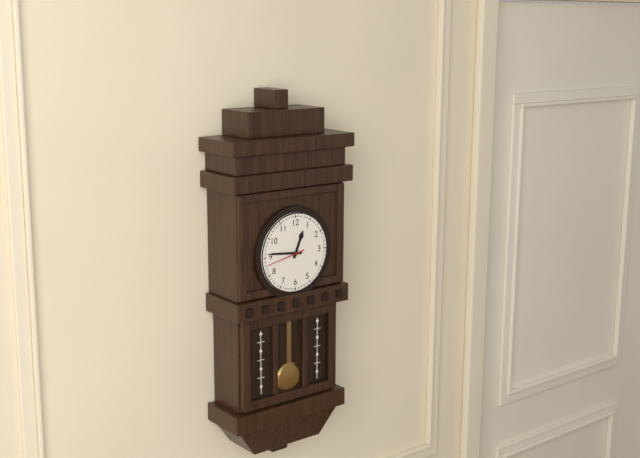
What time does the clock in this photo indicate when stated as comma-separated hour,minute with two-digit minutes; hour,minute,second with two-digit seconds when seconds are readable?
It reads 12,46
